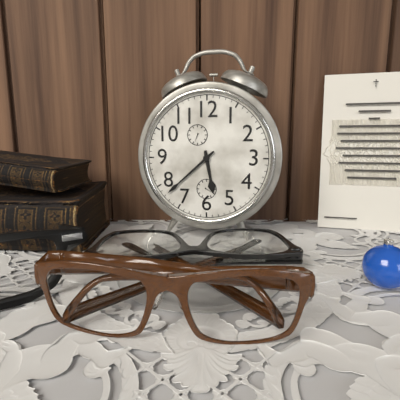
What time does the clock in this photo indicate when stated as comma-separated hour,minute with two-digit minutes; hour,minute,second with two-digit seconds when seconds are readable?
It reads 5,38
